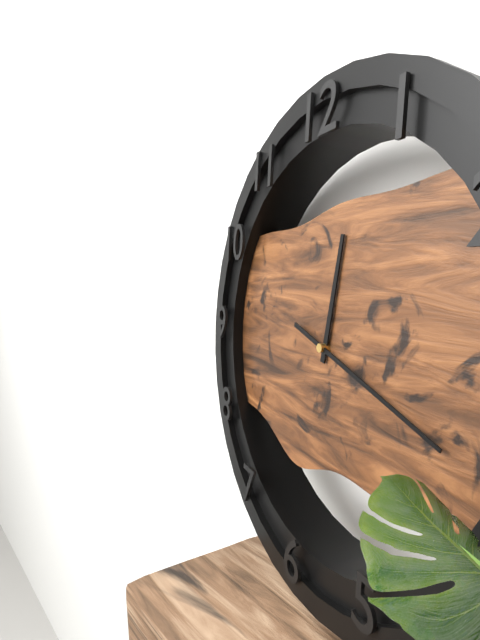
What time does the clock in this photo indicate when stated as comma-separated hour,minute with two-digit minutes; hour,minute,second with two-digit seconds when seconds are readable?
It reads 12,18
